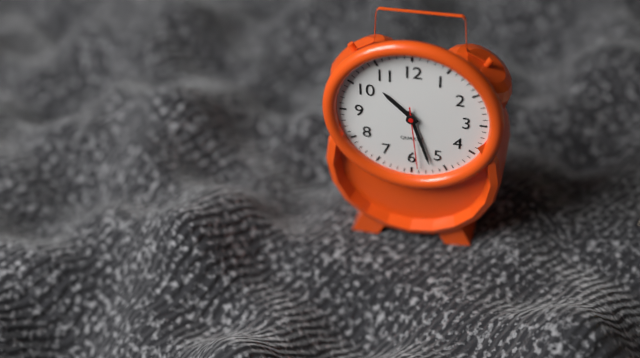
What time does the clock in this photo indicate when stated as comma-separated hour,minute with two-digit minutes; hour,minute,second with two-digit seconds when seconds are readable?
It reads 10,27,29
